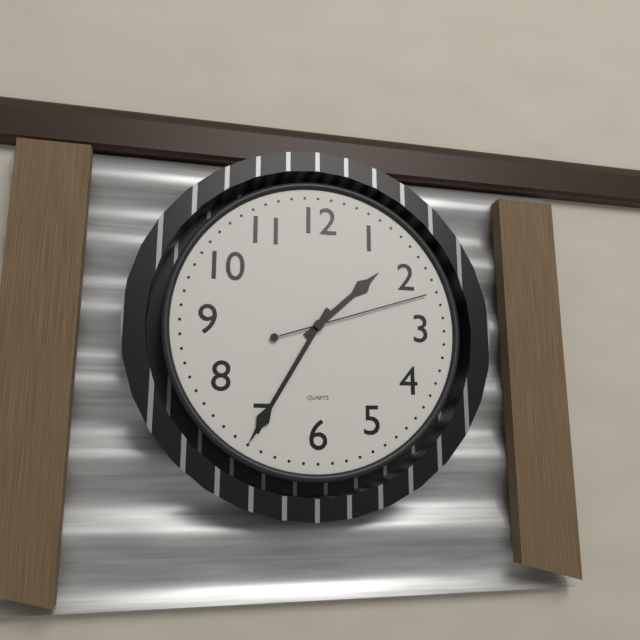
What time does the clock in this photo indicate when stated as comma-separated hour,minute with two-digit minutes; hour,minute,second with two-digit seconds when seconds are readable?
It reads 1,35,12
